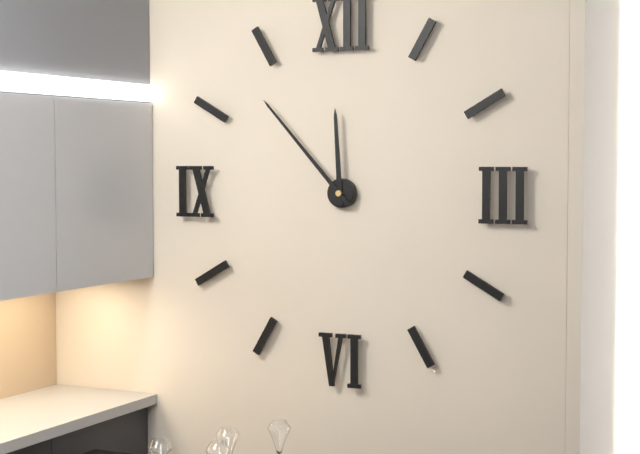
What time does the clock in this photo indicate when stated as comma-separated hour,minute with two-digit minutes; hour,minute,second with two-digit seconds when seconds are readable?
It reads 11,53
